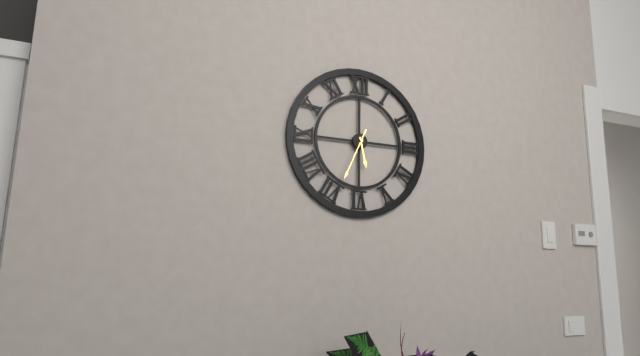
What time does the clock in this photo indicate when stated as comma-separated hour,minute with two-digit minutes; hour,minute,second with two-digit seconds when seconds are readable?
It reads 5,34
